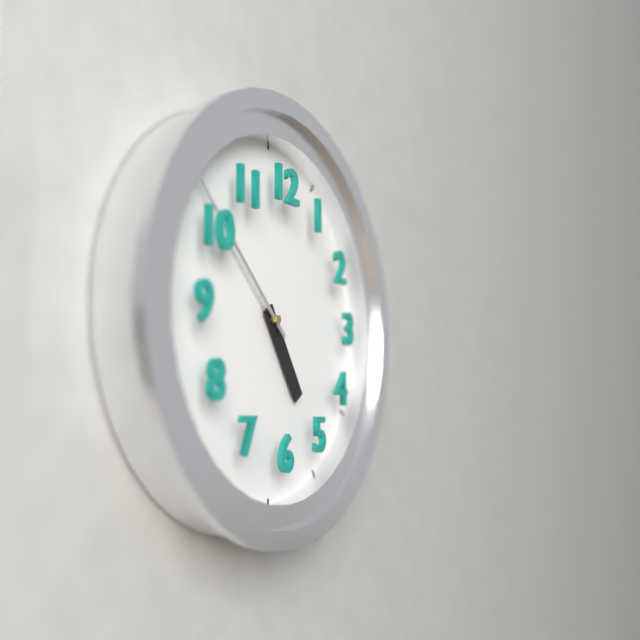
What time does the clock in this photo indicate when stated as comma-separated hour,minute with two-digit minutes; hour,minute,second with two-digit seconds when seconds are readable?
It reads 4,52
